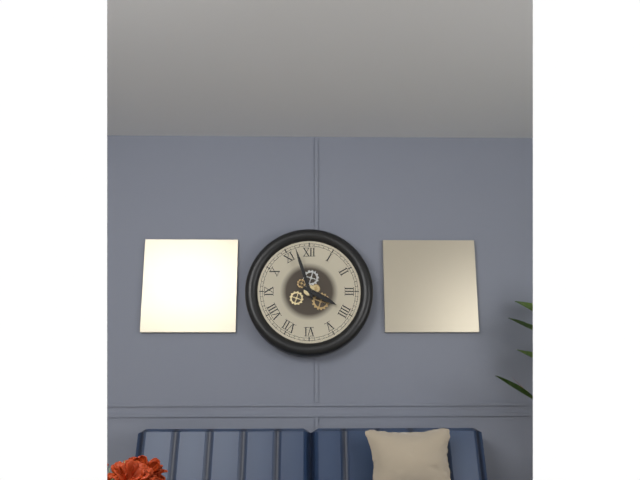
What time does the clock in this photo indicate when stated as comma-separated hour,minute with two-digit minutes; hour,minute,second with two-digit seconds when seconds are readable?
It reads 3,57
